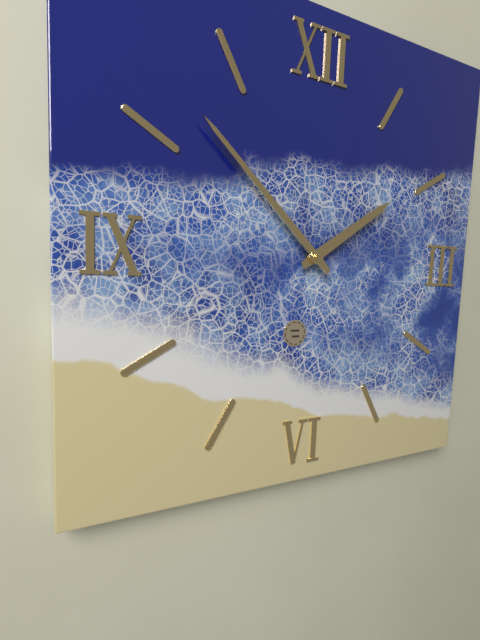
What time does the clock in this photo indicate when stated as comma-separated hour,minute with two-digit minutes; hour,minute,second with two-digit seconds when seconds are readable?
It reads 1,52
